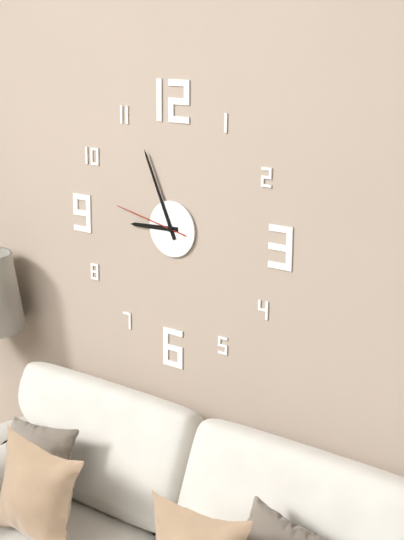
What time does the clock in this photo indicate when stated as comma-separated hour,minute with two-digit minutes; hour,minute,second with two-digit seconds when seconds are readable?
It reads 8,56,47
